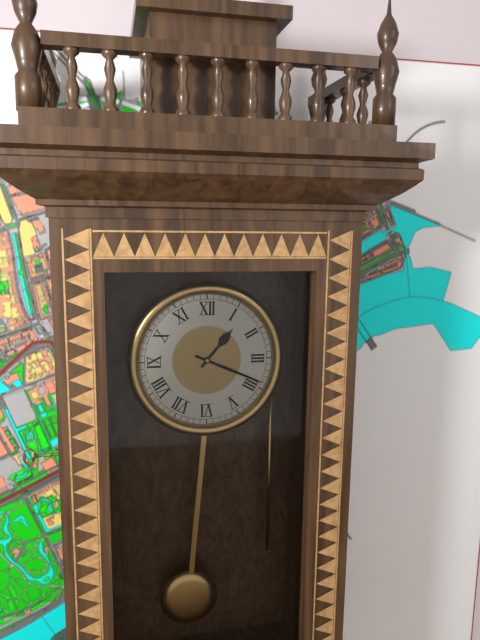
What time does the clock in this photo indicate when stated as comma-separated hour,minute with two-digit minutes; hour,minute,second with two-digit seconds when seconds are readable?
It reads 1,19
